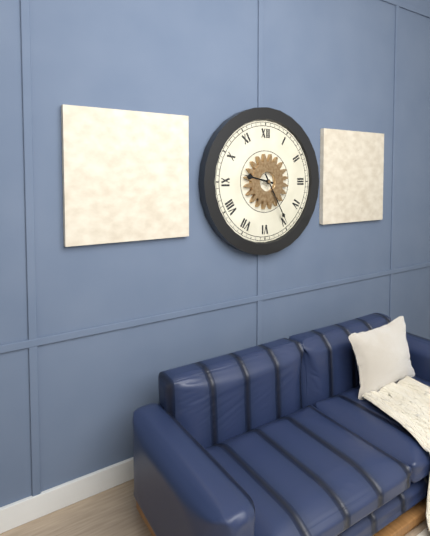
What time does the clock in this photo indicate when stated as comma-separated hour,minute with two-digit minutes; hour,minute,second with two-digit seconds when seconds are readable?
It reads 9,25
